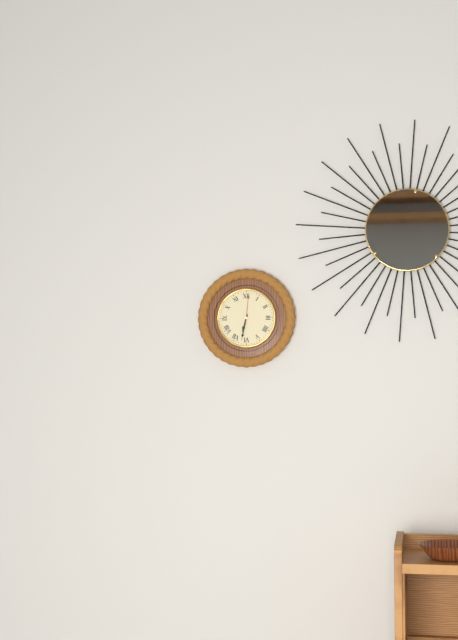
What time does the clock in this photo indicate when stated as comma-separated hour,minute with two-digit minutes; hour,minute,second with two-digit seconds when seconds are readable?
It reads 6,32
